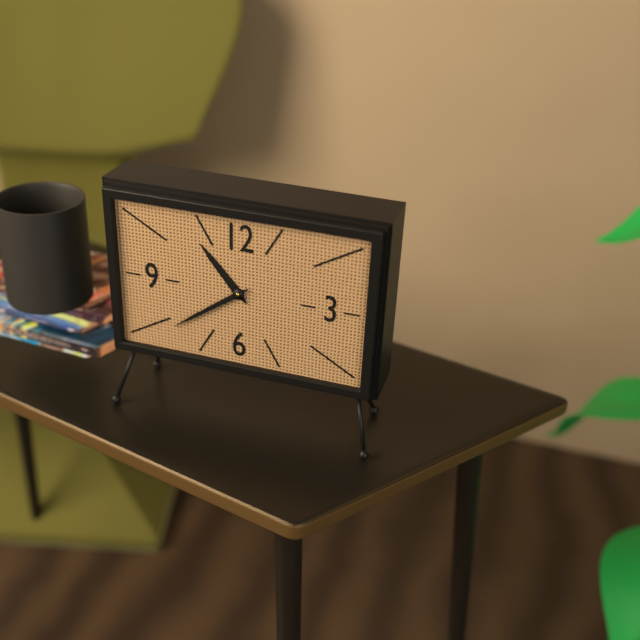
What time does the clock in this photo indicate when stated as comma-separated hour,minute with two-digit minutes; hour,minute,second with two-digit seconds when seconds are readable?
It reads 10,39
